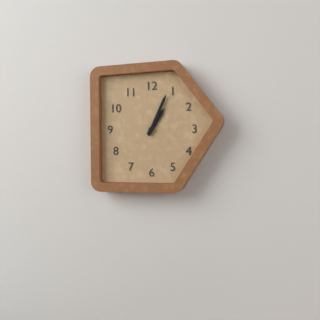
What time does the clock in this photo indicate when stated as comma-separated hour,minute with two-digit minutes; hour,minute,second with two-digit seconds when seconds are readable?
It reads 1,04
